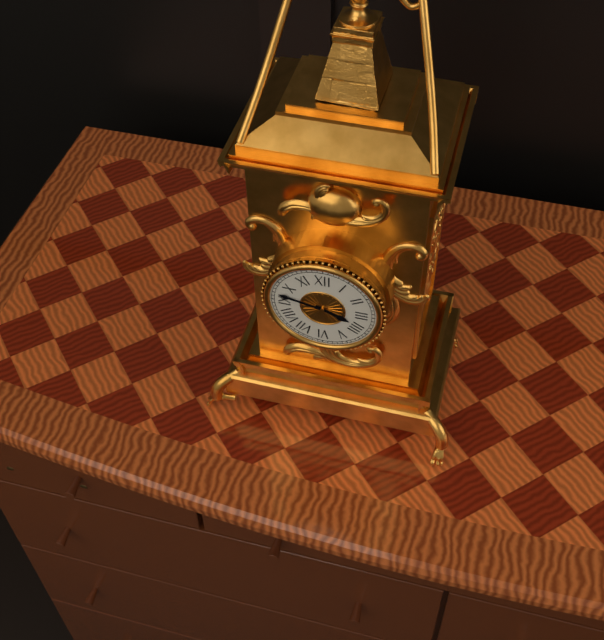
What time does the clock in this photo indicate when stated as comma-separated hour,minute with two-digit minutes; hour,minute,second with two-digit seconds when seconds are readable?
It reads 3,47
